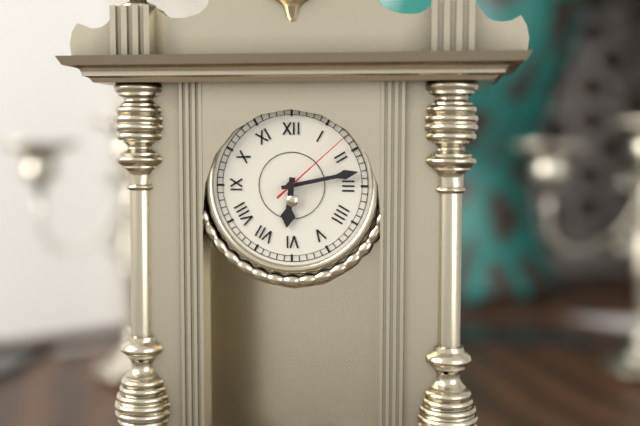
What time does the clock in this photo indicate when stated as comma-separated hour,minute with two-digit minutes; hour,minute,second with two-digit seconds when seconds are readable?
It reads 6,13,08
